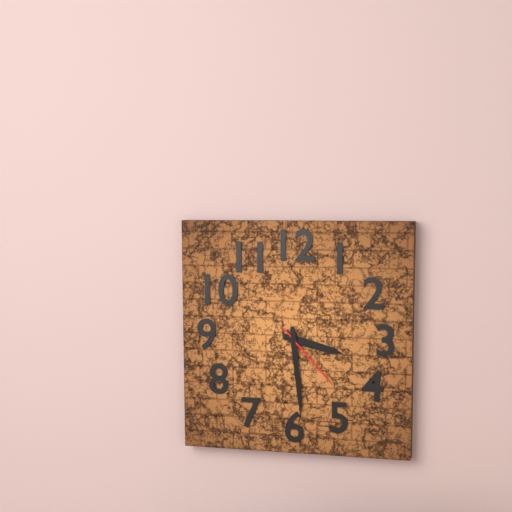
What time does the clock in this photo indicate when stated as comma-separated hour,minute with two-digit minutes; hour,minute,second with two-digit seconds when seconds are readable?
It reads 3,29,23
